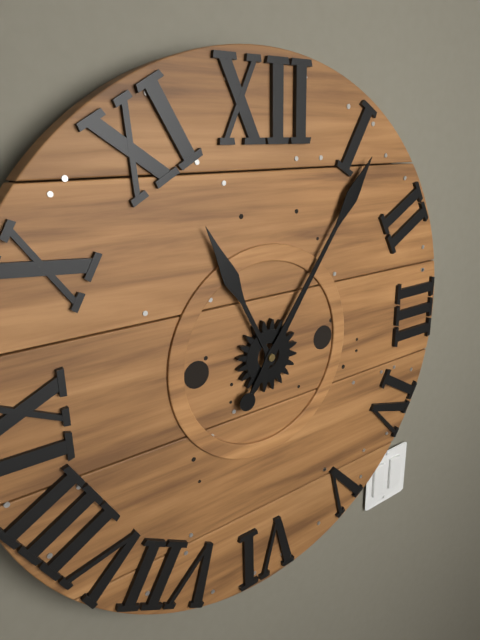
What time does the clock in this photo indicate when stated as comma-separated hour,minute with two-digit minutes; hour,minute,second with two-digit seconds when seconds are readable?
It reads 11,06
